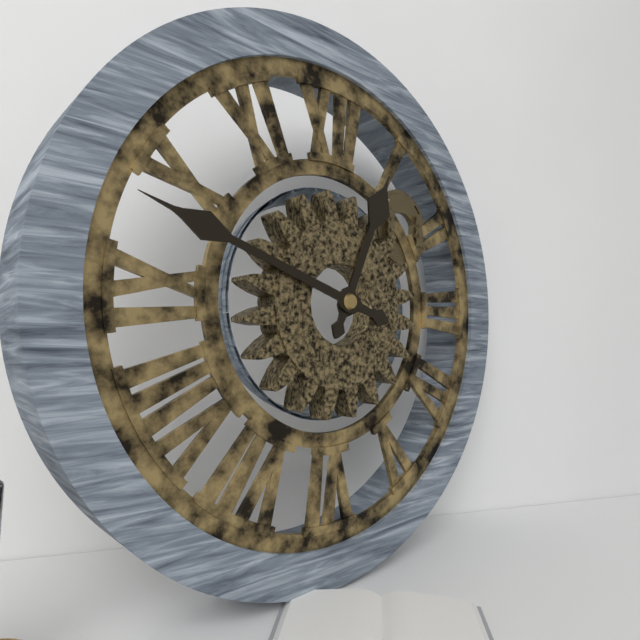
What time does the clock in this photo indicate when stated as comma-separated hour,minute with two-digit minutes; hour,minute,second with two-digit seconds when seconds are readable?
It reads 12,48
